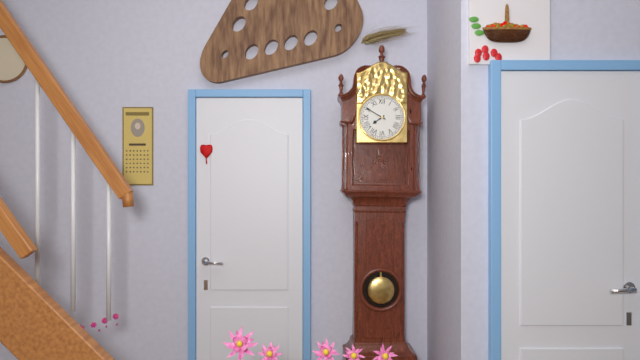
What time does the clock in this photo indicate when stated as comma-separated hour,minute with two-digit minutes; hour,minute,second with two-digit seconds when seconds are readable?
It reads 7,50
